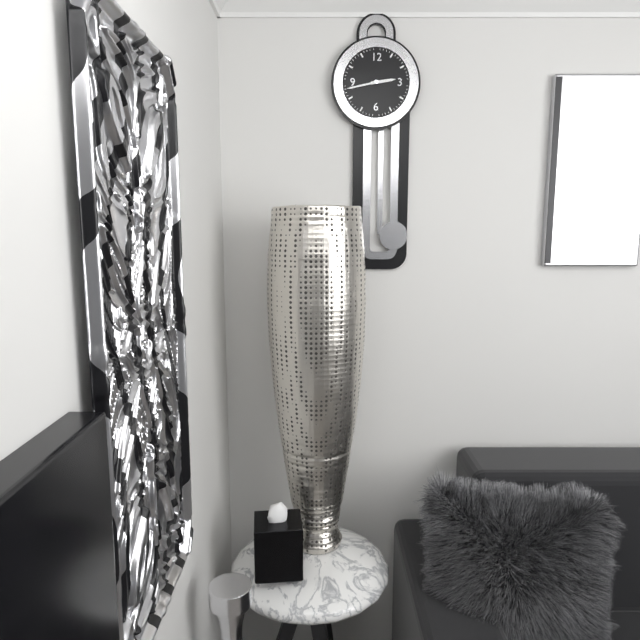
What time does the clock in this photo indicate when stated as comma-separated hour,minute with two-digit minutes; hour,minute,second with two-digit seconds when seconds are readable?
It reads 2,43
